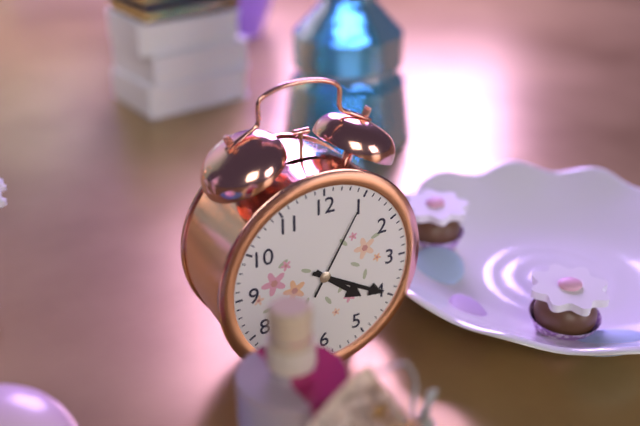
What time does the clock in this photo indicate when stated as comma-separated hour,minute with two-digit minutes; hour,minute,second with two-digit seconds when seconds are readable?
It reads 4,20,05
